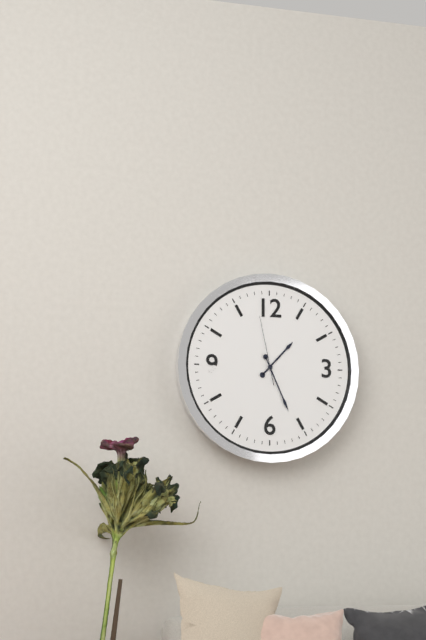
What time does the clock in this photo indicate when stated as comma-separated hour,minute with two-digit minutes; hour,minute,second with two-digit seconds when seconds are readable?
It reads 1,26,58
